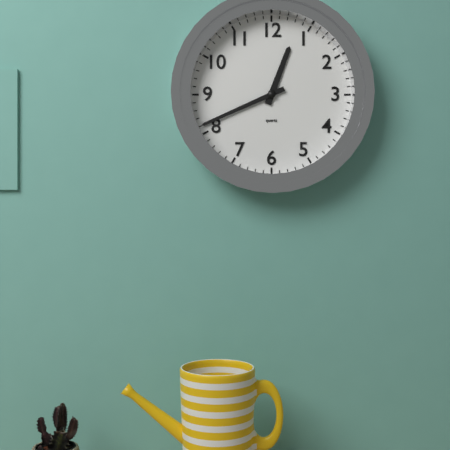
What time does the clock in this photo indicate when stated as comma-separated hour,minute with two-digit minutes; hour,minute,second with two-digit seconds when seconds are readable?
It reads 12,41
